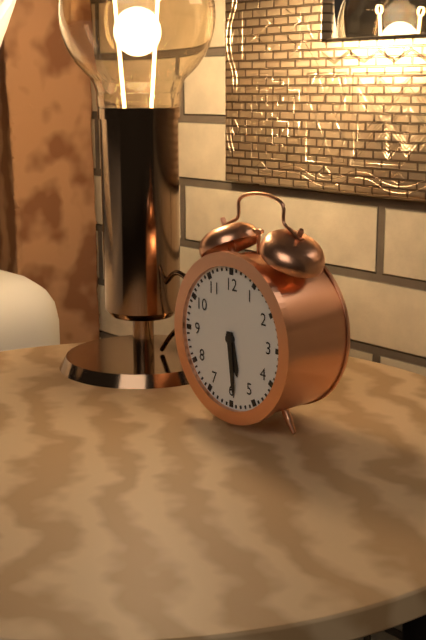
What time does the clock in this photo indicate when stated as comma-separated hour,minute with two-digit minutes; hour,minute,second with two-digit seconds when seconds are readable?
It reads 5,29
